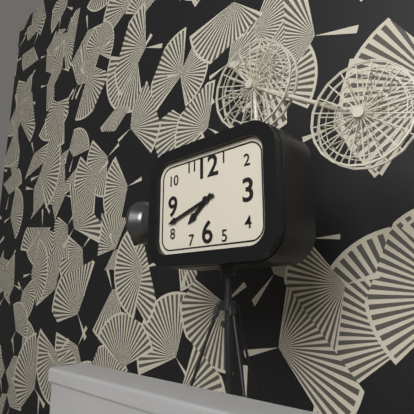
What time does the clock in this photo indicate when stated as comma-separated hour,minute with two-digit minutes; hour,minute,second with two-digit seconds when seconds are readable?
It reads 7,42
